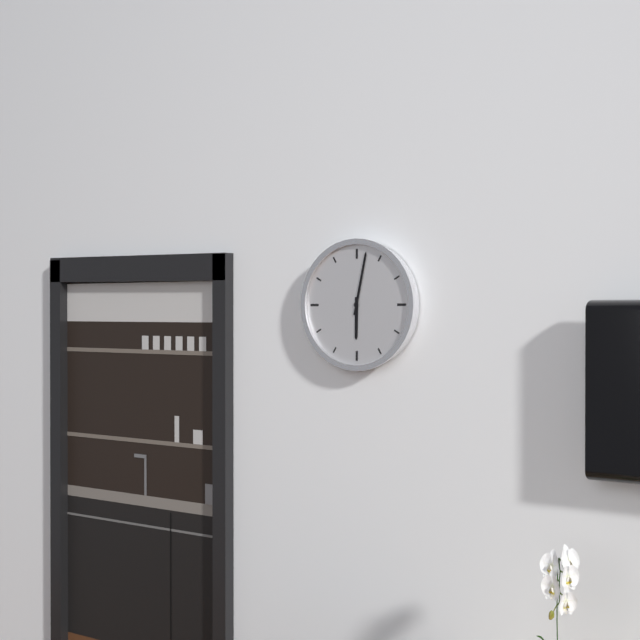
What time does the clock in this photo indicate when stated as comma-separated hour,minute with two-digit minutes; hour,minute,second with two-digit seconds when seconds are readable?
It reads 6,02
